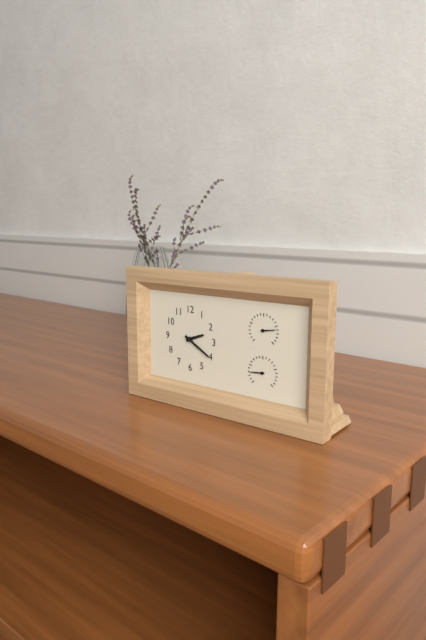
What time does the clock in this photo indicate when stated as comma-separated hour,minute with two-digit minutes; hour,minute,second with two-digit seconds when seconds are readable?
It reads 2,20
